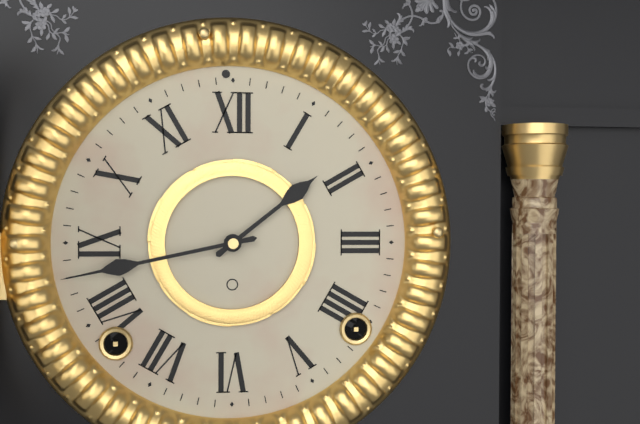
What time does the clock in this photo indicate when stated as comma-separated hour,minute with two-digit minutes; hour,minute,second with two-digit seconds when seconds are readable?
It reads 1,43
